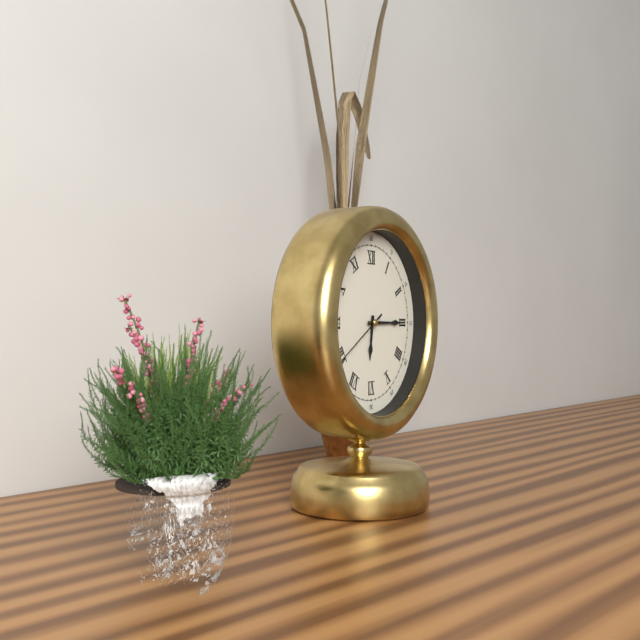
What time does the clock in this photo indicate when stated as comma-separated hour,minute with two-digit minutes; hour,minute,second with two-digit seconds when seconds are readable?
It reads 6,15,40
